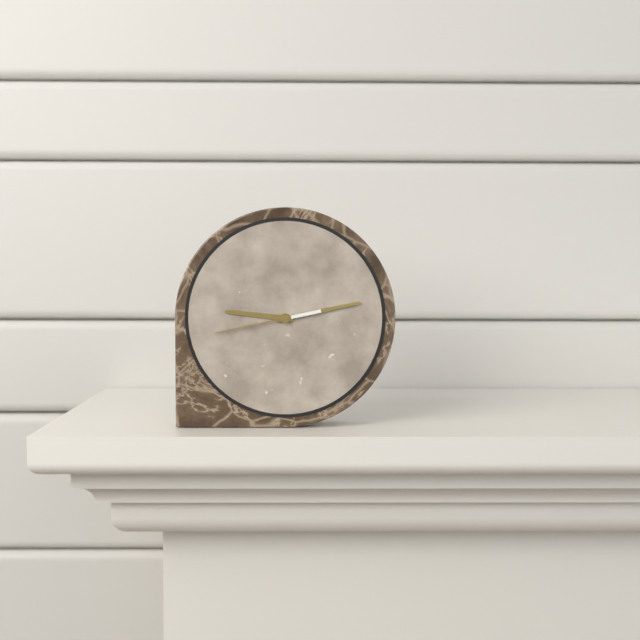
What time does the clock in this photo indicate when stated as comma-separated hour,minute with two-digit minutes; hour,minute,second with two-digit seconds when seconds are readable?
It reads 9,13,43
